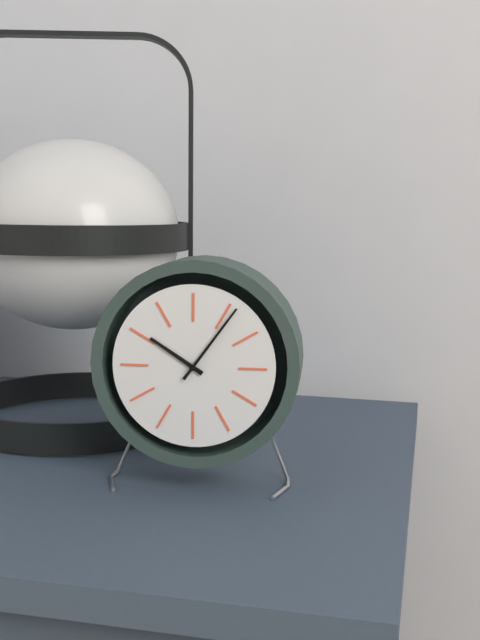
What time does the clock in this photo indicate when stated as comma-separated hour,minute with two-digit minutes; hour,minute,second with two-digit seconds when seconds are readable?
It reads 10,06
